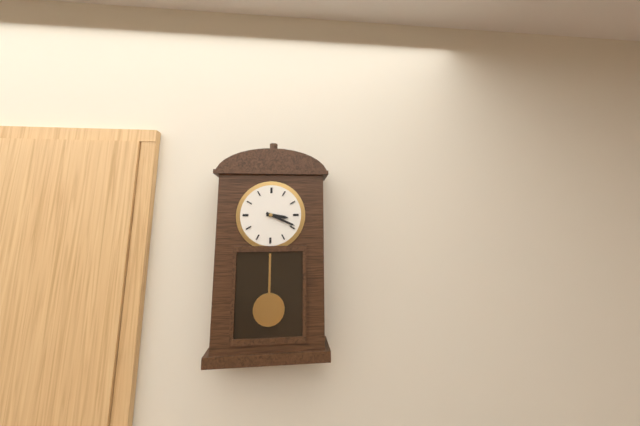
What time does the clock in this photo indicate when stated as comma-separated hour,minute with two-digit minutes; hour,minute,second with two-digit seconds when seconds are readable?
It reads 3,19
